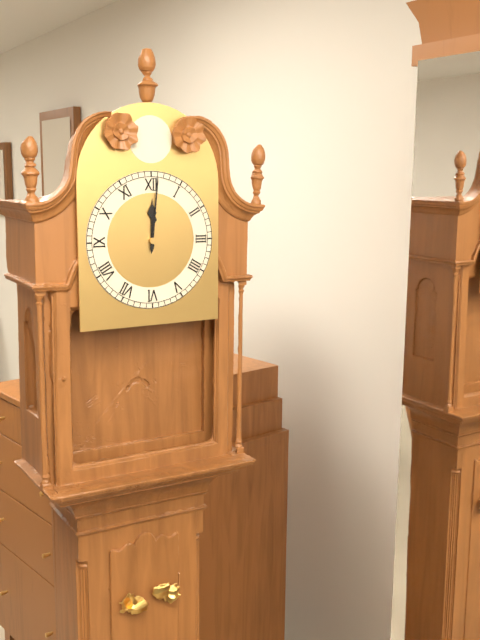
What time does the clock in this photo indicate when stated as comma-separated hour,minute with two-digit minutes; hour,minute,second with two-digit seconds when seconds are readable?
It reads 12,01
